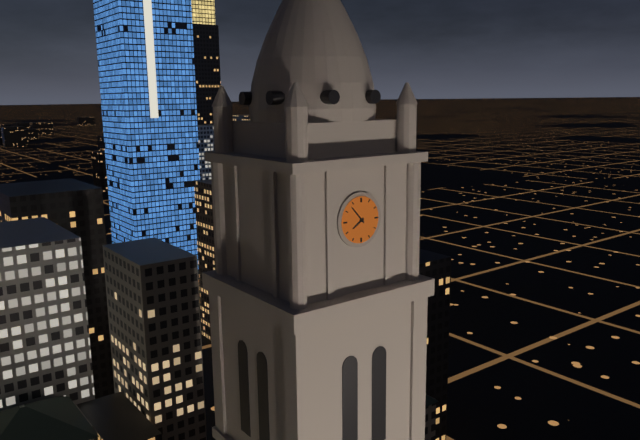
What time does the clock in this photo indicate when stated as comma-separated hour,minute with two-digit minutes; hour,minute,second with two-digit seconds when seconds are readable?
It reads 7,53
